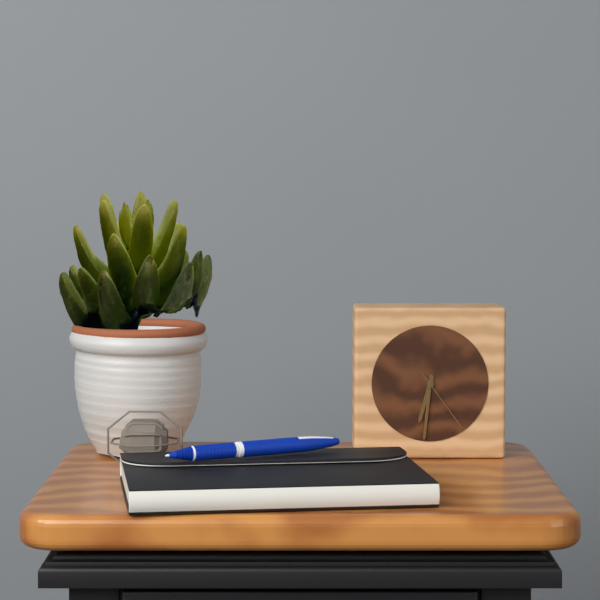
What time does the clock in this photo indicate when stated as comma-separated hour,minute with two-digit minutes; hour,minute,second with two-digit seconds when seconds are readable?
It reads 6,31,24
